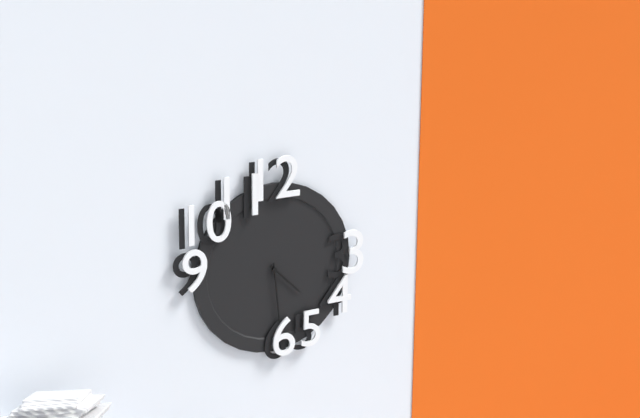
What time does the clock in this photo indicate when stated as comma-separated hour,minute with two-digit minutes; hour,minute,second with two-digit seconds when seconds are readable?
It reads 4,29
